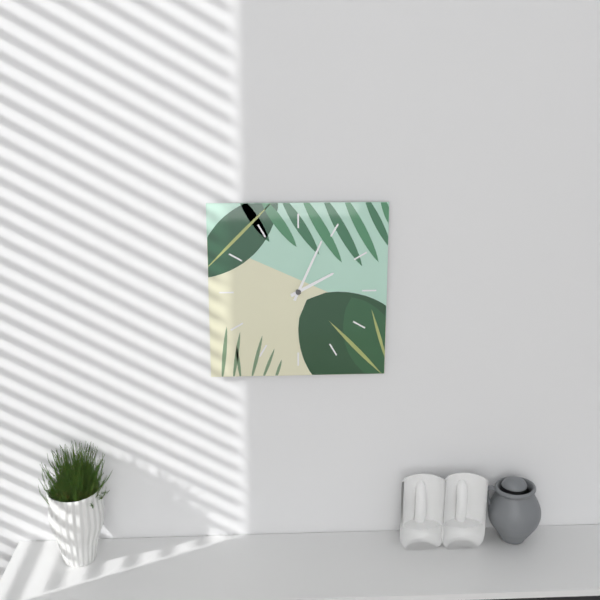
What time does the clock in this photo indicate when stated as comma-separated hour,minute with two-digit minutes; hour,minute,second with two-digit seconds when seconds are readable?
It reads 2,04
